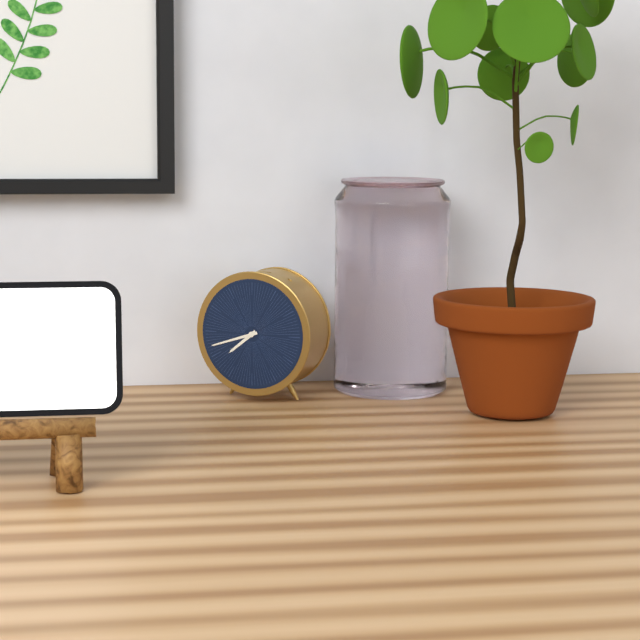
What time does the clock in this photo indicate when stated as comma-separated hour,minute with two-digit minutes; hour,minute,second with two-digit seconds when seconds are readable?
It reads 7,42
